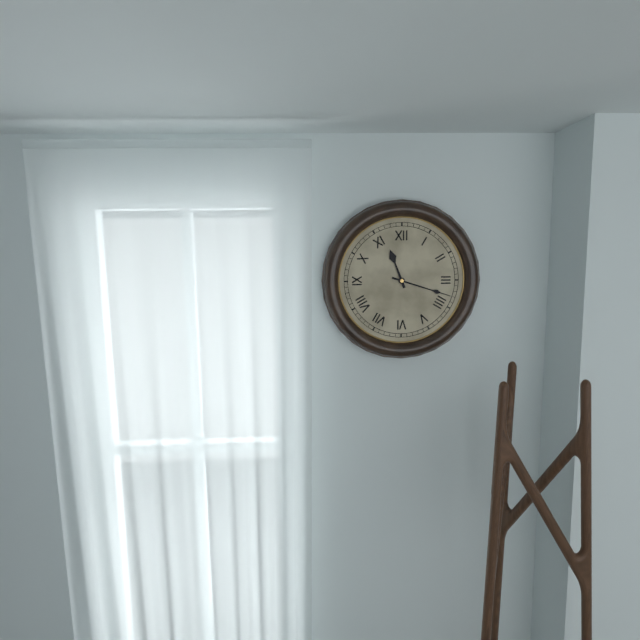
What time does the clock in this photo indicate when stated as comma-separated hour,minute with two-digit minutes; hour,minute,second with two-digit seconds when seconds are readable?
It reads 11,18
